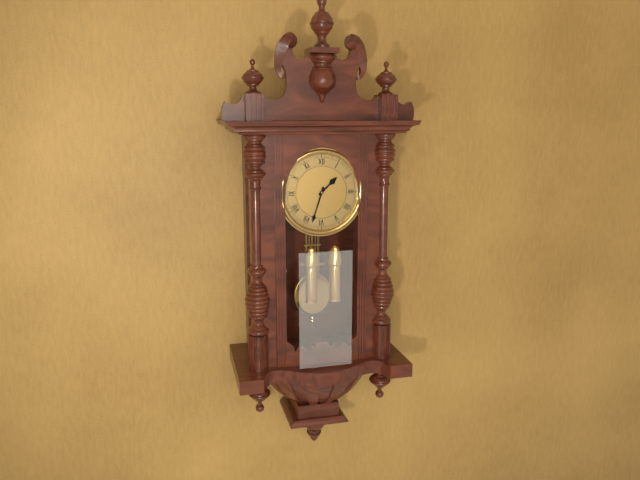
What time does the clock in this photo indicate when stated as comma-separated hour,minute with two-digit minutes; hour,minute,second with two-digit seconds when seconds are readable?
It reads 1,33
